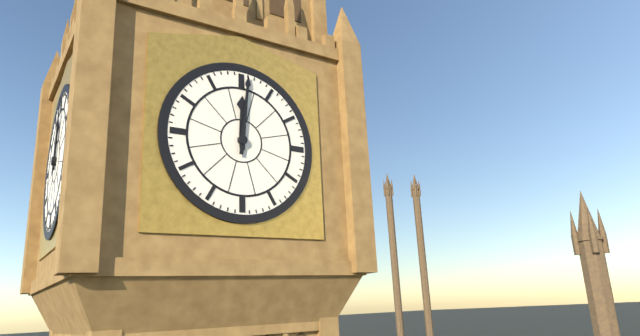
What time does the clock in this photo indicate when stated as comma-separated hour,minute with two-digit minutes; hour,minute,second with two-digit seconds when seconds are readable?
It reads 12,01
